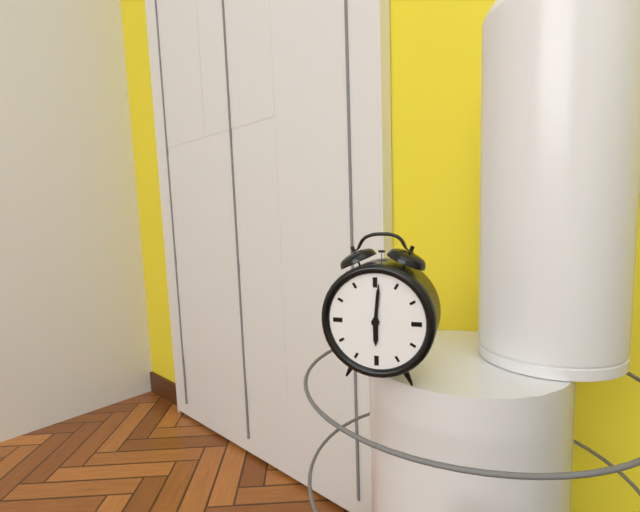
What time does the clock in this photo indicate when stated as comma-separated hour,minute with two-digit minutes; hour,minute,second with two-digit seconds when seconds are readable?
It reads 6,01
